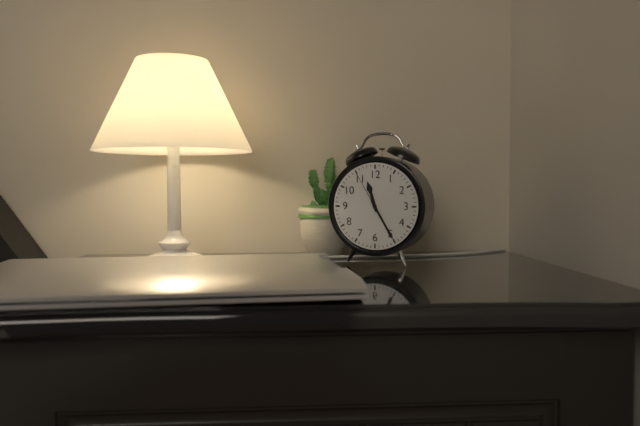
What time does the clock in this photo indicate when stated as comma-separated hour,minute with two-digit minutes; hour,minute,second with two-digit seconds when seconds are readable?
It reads 11,25
